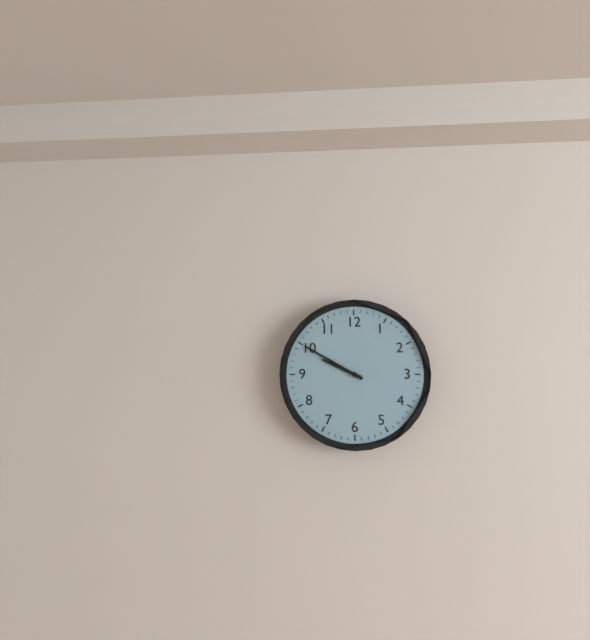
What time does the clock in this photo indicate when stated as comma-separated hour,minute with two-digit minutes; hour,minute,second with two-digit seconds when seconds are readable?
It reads 9,50
